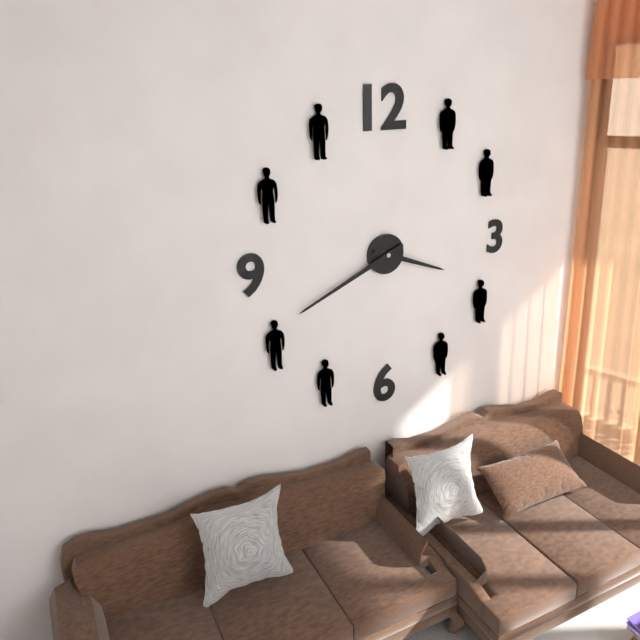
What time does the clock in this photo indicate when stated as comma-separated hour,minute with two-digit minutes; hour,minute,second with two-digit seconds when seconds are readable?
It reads 3,41
